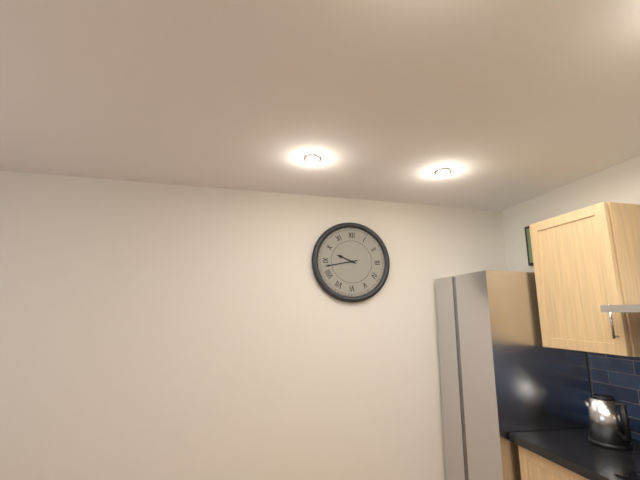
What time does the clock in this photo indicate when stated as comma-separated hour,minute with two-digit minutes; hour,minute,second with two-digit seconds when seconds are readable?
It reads 9,43
